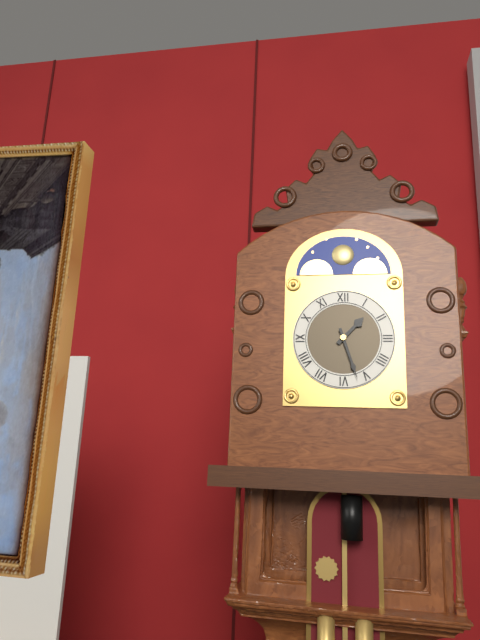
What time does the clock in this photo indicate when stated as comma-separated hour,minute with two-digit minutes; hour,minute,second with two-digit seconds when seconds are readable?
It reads 1,27
